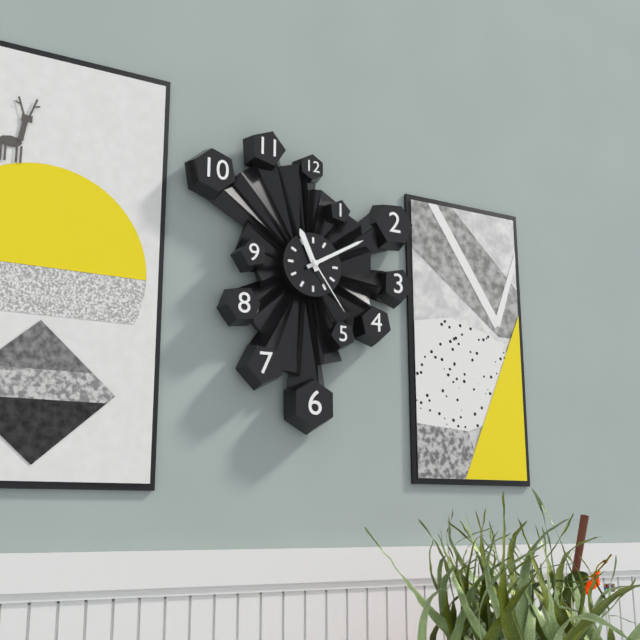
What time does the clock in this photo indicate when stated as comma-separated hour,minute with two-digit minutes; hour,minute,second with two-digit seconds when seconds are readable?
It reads 11,10,24
